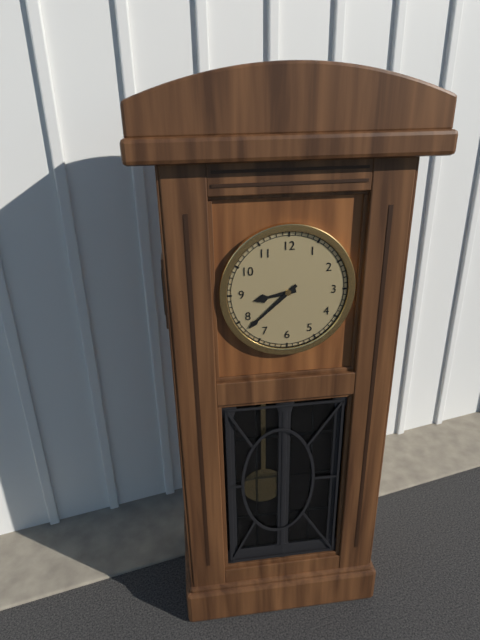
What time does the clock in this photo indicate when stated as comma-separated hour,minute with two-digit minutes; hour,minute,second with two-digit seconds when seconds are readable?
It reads 8,38
